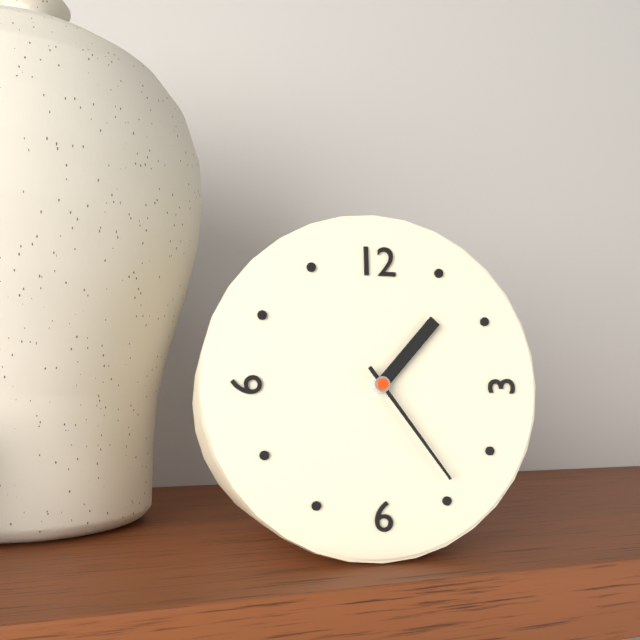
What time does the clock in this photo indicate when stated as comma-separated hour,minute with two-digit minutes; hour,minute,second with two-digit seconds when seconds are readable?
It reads 1,24
